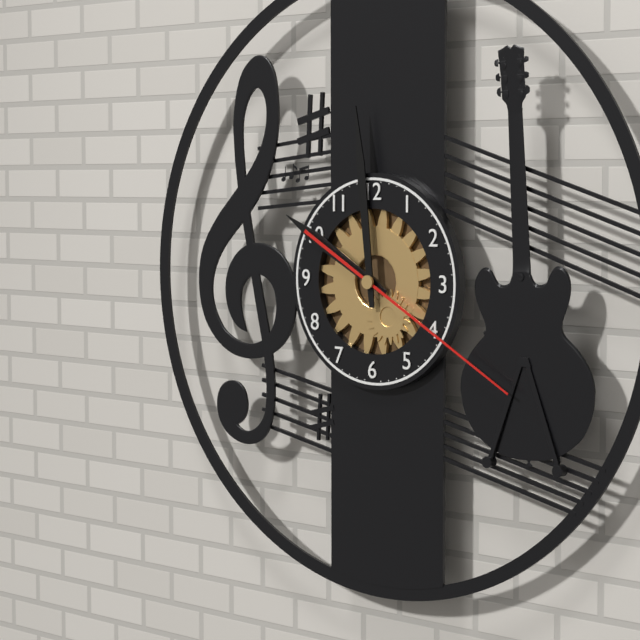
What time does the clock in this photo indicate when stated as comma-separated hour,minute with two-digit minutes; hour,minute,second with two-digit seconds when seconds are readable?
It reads 9,59,20
